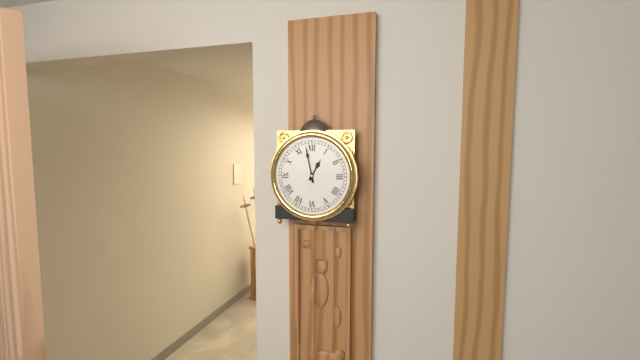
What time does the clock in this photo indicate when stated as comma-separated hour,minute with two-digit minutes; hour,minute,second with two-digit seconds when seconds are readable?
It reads 12,58
